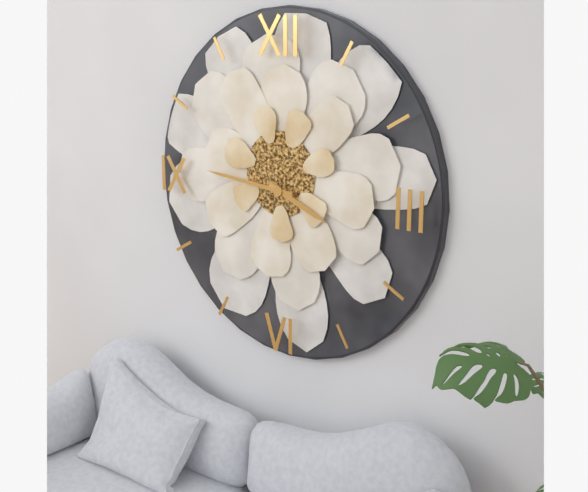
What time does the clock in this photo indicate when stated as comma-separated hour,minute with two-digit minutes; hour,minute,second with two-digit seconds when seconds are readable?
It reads 3,46
